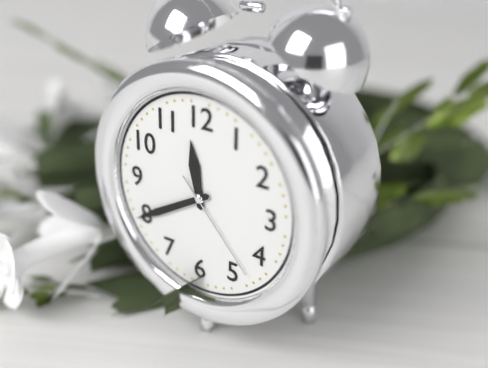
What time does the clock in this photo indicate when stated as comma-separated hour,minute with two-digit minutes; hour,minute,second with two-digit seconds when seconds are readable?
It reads 11,40,23
